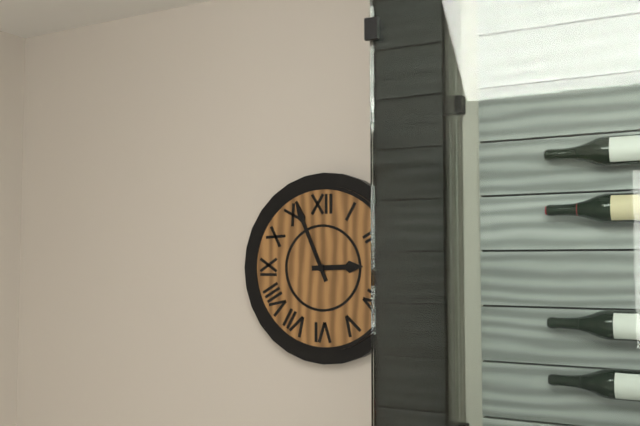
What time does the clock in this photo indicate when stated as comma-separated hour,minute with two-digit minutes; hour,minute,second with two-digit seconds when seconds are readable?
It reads 2,56
